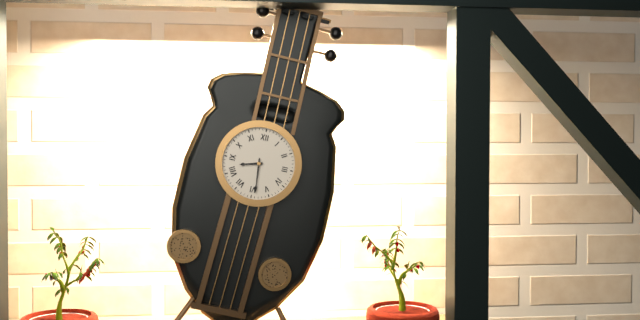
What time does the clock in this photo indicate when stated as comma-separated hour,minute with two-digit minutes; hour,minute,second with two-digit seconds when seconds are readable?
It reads 8,29
